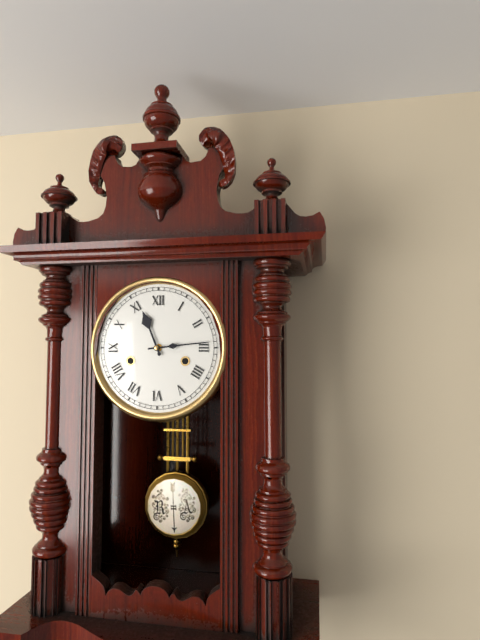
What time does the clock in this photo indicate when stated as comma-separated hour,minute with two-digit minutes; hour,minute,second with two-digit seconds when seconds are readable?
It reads 11,14
